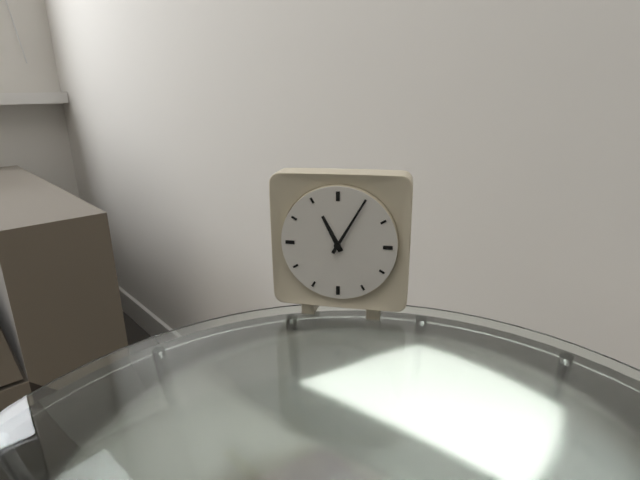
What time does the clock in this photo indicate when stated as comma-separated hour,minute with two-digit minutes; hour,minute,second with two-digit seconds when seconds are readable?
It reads 11,05
